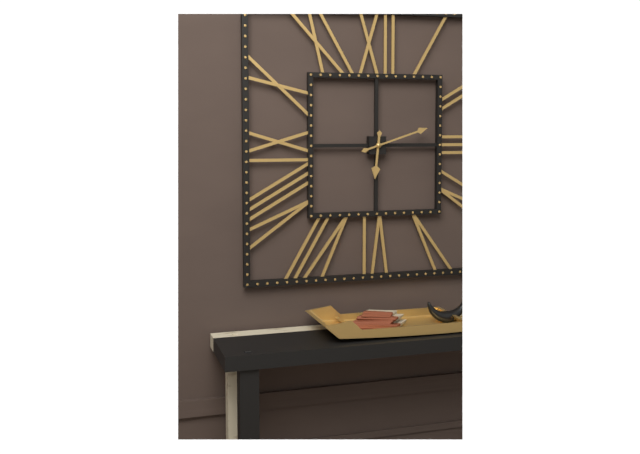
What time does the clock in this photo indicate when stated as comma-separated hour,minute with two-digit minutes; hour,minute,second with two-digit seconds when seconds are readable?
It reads 6,12
